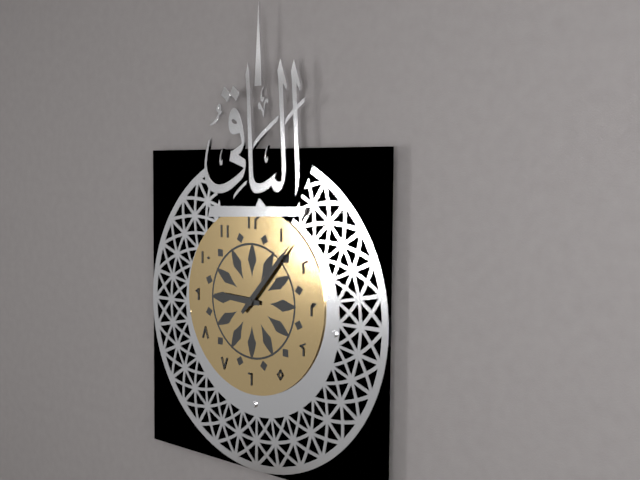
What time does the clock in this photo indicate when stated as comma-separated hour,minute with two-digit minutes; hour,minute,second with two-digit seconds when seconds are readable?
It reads 9,07
